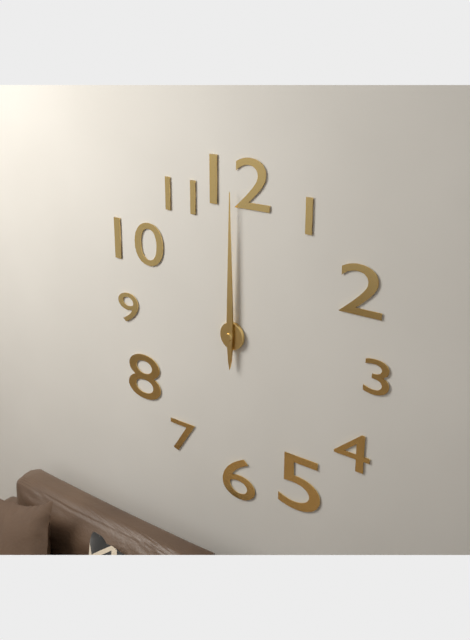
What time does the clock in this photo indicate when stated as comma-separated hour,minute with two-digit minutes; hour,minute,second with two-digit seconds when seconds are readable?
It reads 12,00
